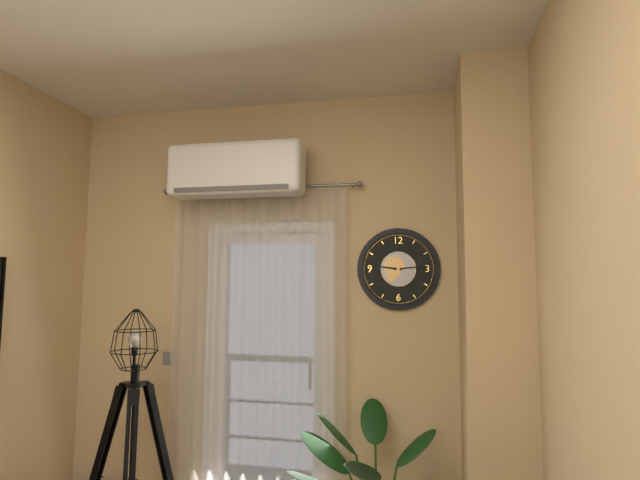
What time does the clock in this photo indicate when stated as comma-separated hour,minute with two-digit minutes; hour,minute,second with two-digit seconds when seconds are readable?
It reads 9,14
